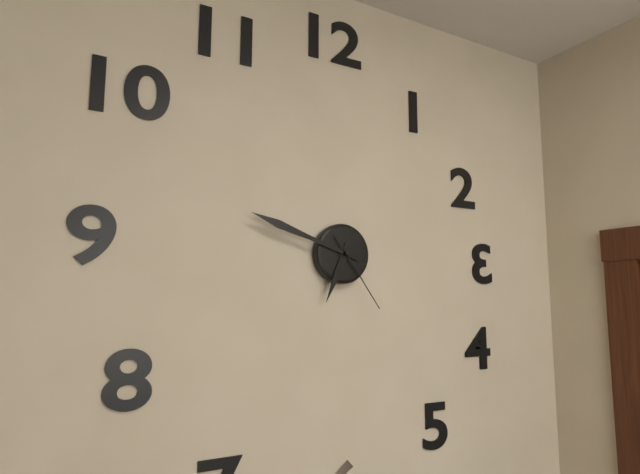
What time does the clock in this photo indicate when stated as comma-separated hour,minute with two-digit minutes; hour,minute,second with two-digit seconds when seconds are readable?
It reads 6,48,24
